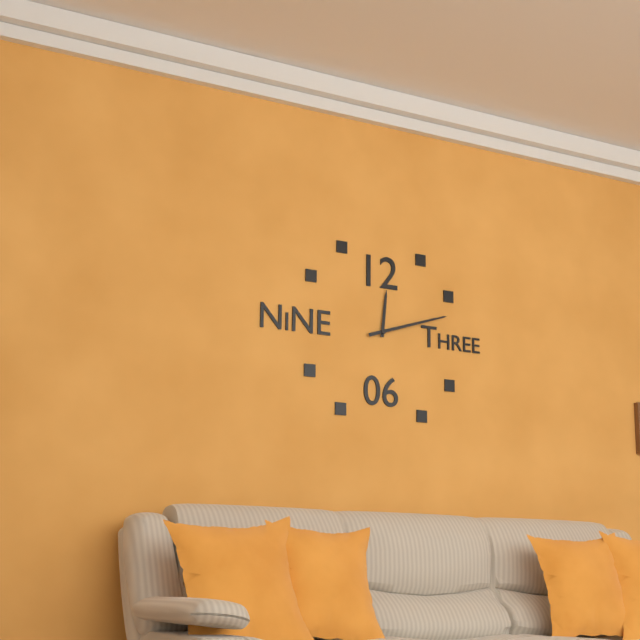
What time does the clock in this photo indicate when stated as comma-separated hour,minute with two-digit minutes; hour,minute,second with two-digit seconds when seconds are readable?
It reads 12,12,12
